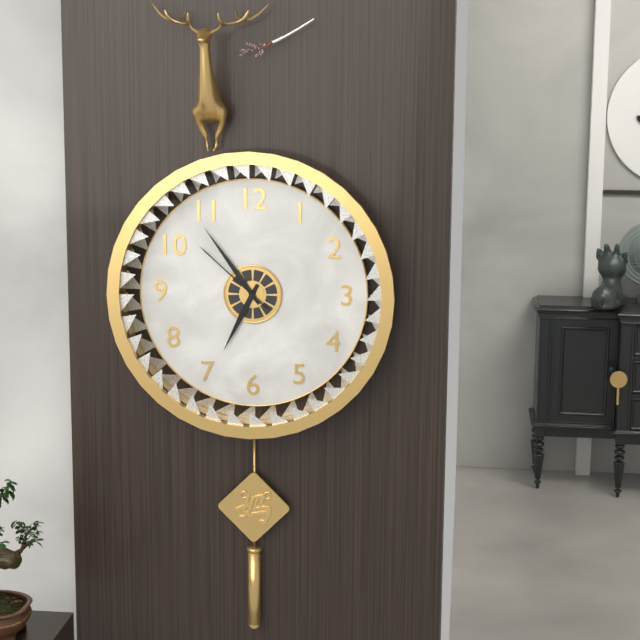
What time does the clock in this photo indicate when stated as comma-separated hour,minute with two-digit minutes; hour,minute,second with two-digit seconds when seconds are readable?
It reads 6,54,52
